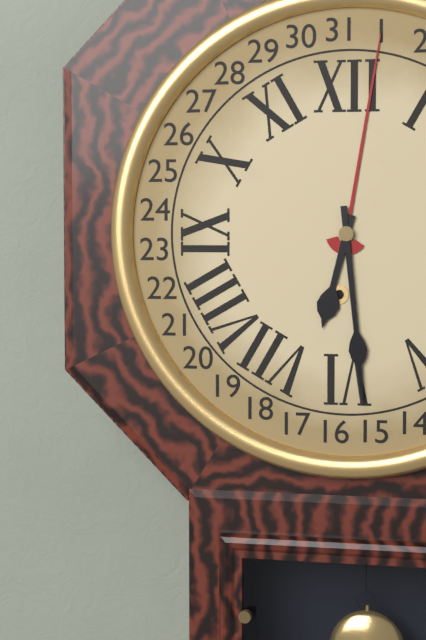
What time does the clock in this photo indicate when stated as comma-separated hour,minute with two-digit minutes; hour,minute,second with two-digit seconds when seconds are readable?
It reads 6,29
